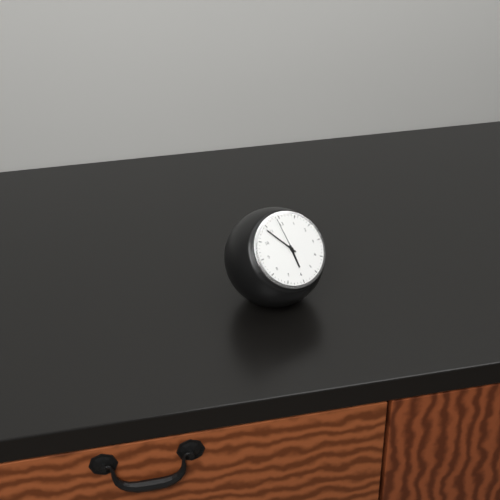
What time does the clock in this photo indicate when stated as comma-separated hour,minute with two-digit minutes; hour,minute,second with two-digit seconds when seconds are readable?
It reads 5,54
